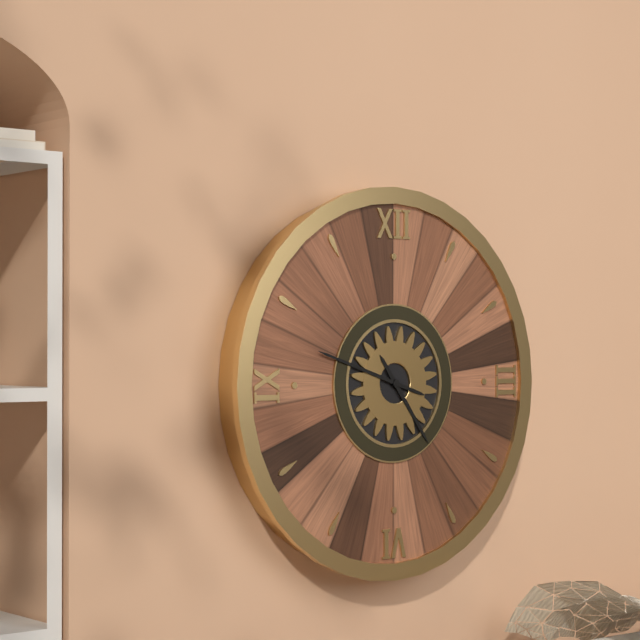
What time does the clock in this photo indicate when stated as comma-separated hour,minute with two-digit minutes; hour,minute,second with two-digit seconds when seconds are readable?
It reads 4,48
